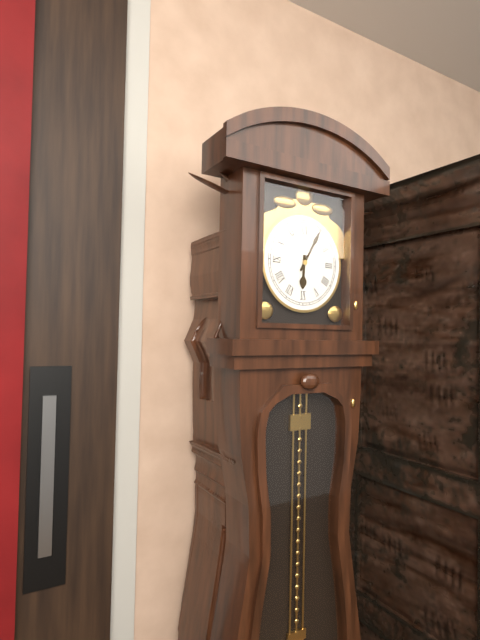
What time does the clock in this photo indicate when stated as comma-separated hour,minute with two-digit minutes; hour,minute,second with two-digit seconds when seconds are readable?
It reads 6,05
